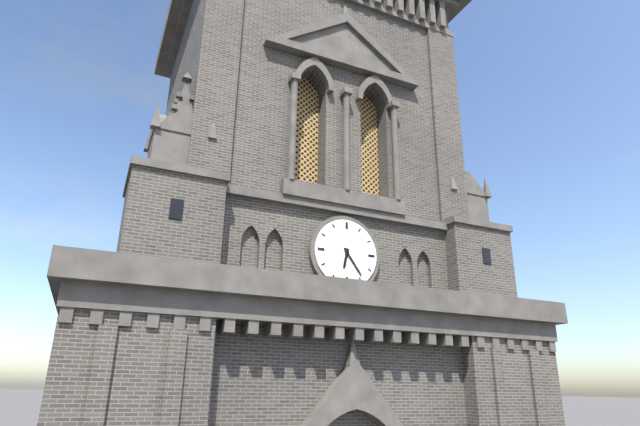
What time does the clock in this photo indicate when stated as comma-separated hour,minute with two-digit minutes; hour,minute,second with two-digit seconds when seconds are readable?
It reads 6,24
